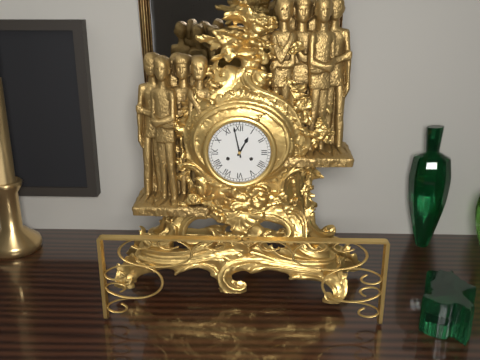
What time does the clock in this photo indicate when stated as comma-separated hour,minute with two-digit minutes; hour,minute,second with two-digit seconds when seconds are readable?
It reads 12,58
